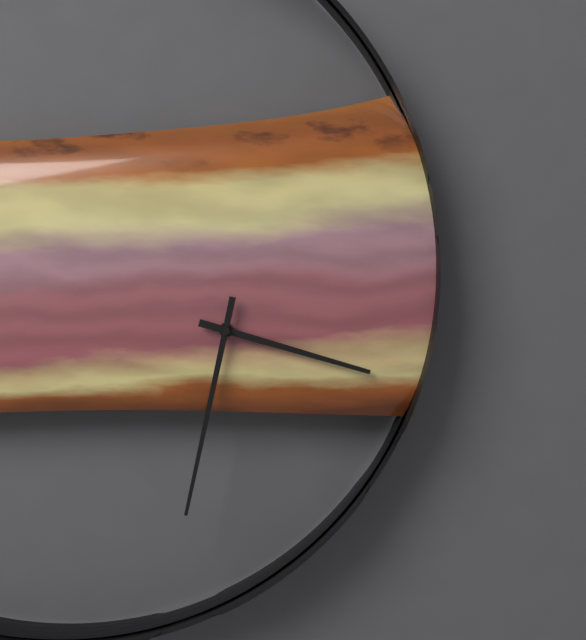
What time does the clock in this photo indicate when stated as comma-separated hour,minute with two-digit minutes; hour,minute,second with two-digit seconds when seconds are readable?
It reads 3,32
